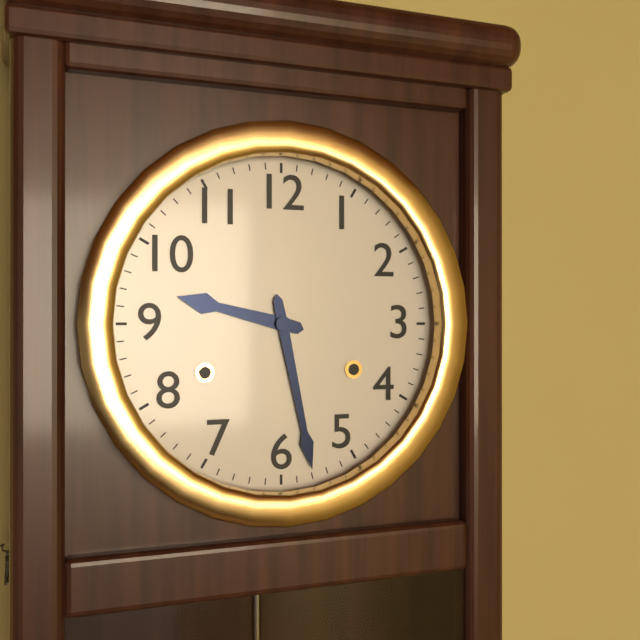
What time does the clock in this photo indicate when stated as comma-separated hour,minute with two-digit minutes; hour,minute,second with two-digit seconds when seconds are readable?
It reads 9,28
